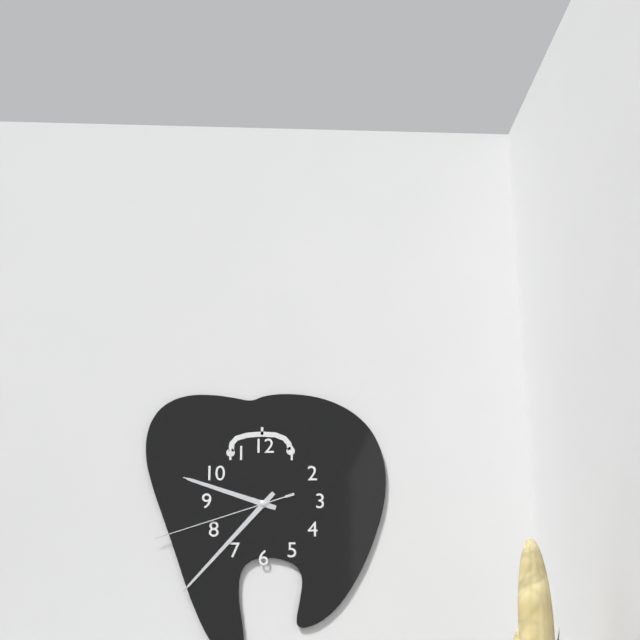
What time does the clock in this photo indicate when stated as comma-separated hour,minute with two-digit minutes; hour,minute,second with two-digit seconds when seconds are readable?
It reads 9,37,42
